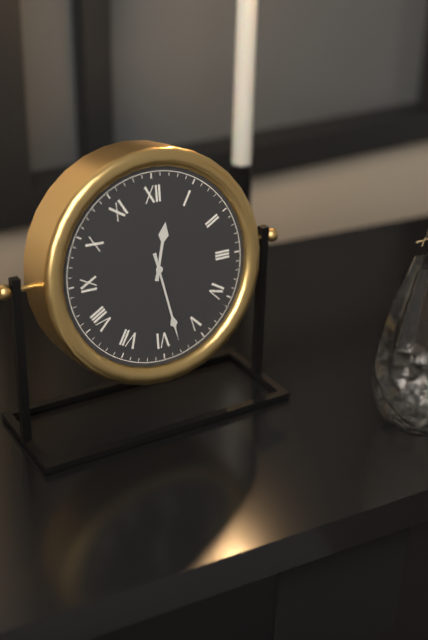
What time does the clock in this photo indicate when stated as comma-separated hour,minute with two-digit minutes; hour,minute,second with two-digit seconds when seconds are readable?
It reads 12,28
